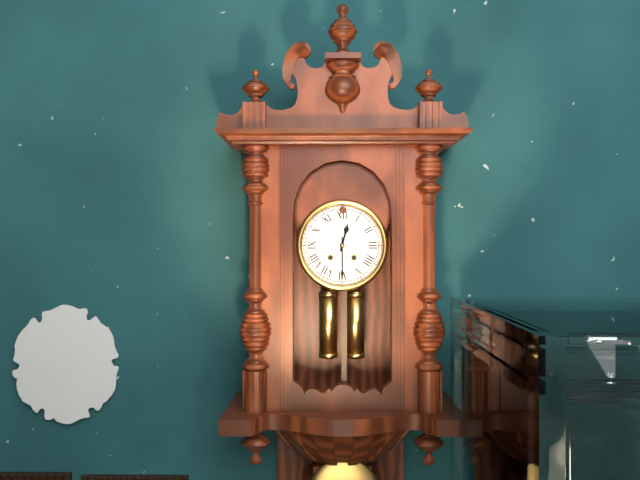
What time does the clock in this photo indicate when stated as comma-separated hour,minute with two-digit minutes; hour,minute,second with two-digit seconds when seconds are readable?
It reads 12,30
